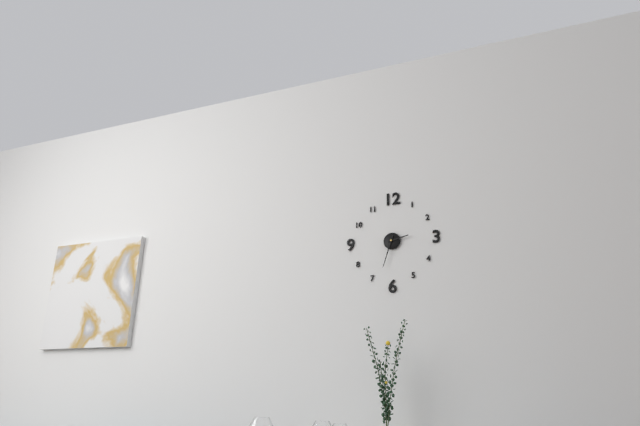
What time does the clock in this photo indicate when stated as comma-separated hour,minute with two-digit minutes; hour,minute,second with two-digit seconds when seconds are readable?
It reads 2,33
